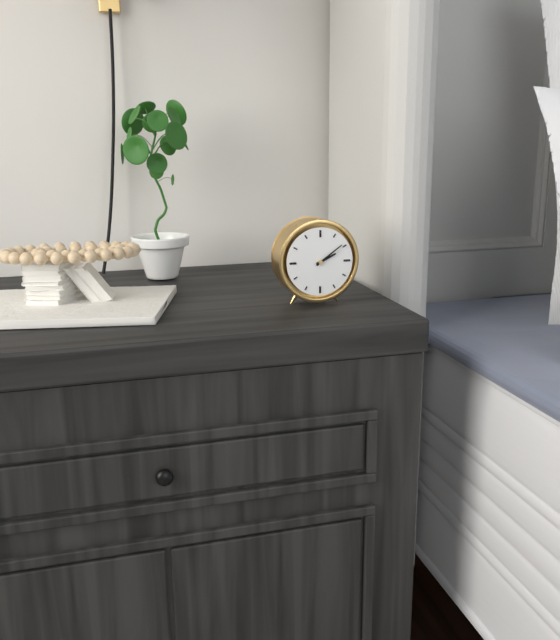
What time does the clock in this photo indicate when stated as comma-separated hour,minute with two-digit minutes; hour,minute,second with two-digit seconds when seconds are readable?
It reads 2,09
